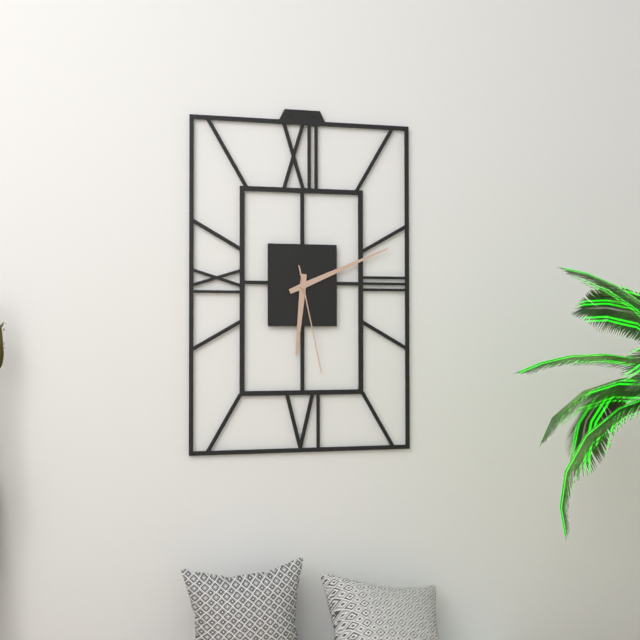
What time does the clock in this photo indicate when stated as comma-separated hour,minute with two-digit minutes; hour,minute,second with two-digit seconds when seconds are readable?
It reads 6,11,28
